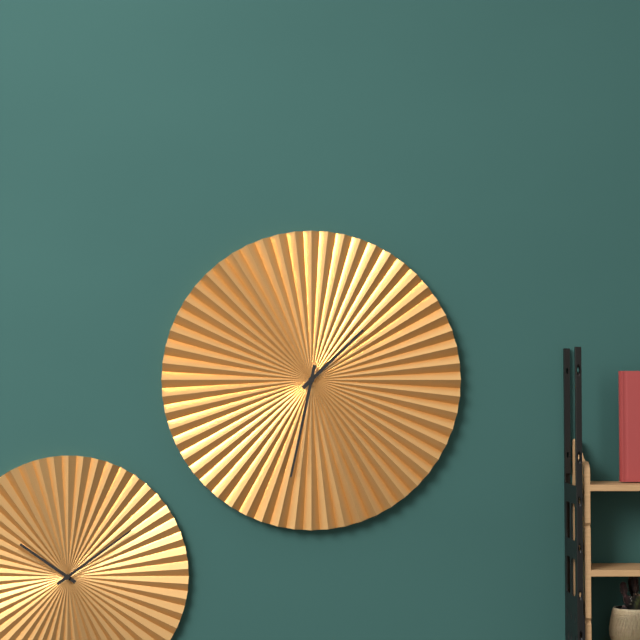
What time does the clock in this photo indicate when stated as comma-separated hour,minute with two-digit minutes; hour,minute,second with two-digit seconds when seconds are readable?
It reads 1,32
